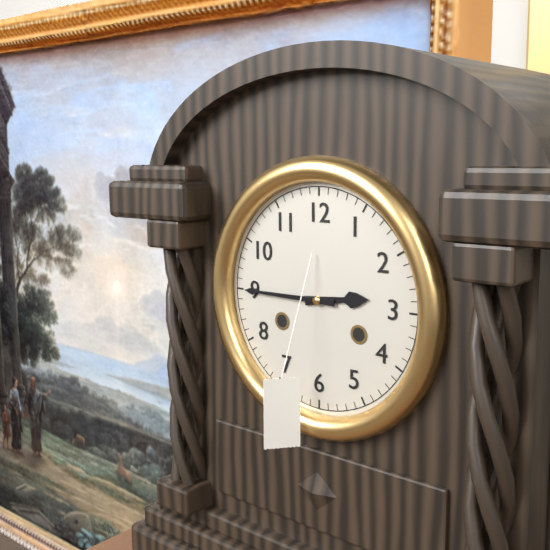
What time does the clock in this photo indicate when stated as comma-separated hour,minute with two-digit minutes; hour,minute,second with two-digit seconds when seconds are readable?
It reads 2,45
